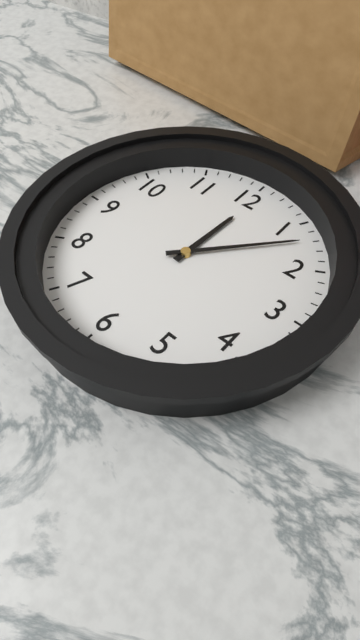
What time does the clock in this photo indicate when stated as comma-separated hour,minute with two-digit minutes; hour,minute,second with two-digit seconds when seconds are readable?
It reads 12,07
